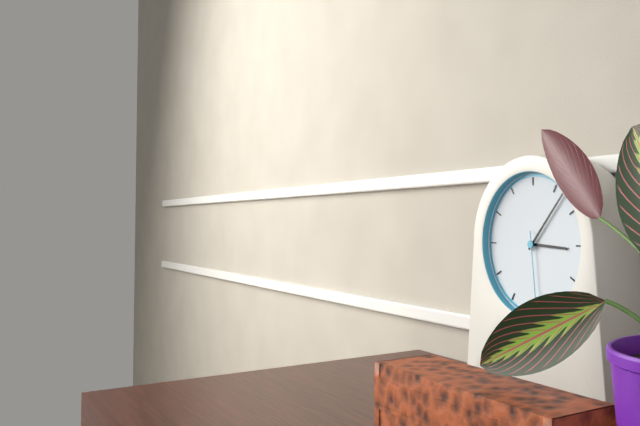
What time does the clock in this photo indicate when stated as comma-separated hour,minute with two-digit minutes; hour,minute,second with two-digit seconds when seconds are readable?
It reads 3,07,29
